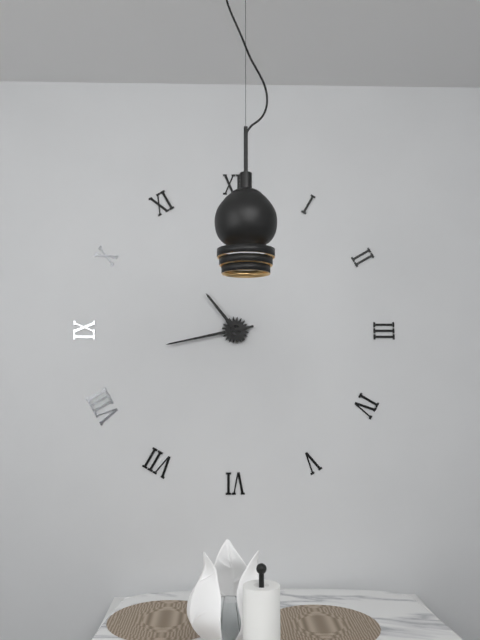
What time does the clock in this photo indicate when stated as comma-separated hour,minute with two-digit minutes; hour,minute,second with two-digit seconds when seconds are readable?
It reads 10,43
